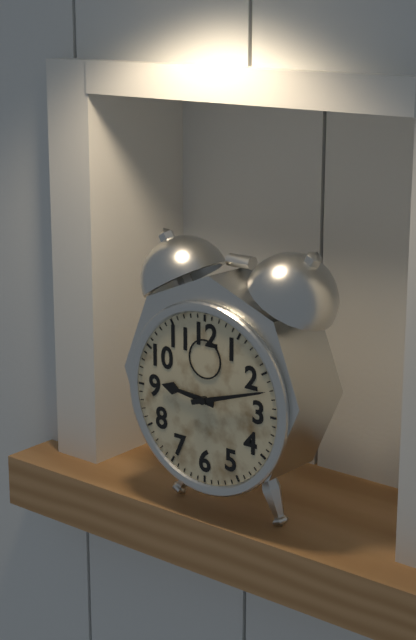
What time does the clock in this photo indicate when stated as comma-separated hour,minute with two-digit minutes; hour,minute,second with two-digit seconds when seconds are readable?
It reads 9,12
